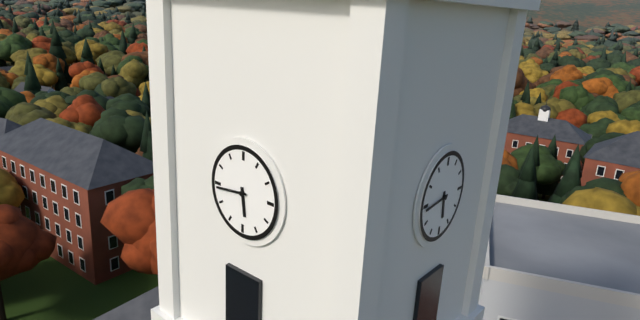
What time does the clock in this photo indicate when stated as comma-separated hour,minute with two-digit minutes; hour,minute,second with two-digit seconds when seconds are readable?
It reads 5,44
